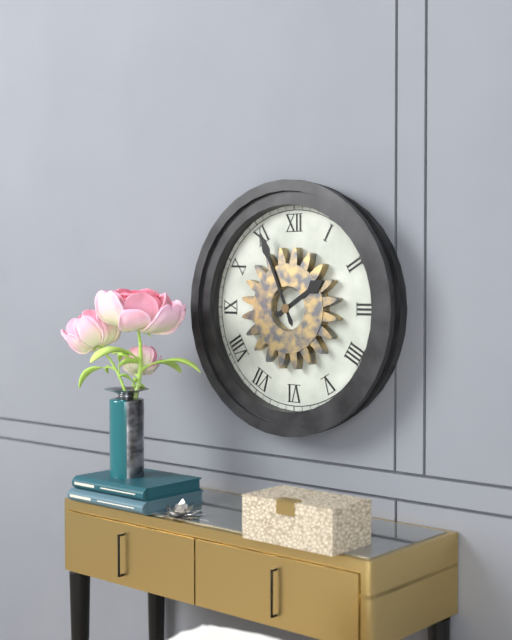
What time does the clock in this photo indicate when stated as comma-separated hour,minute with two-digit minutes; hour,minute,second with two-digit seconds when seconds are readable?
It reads 1,56
